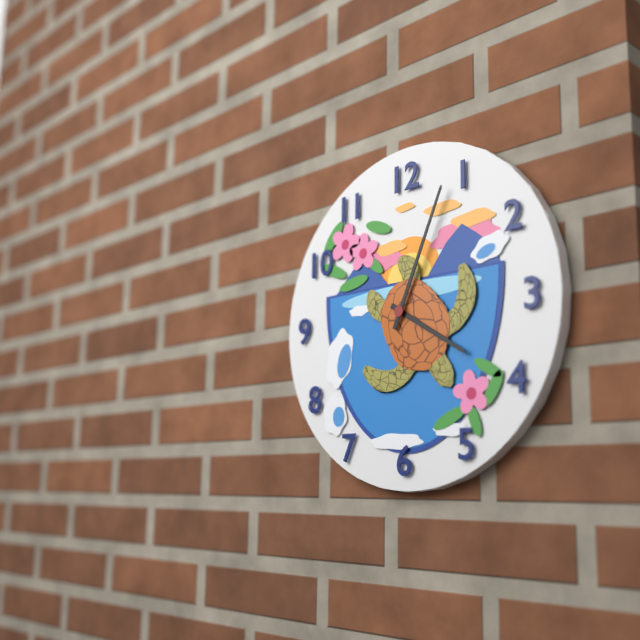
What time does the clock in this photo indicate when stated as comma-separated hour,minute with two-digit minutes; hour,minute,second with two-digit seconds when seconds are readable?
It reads 4,04
